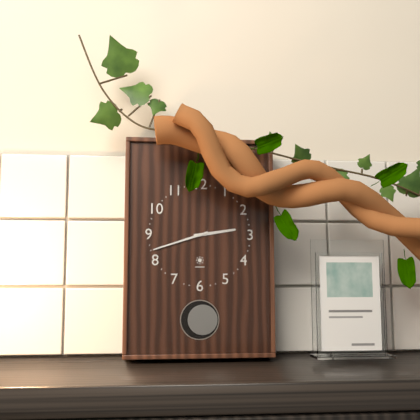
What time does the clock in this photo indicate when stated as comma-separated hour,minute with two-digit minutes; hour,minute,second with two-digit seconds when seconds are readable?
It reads 2,42
